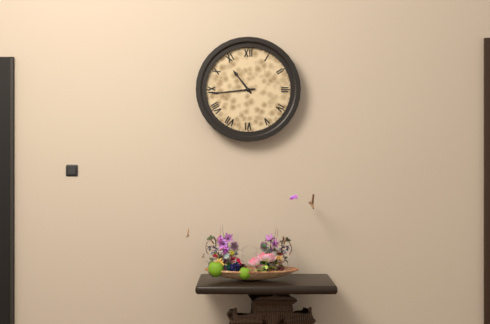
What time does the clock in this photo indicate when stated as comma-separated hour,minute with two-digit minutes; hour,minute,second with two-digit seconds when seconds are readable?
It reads 10,44
